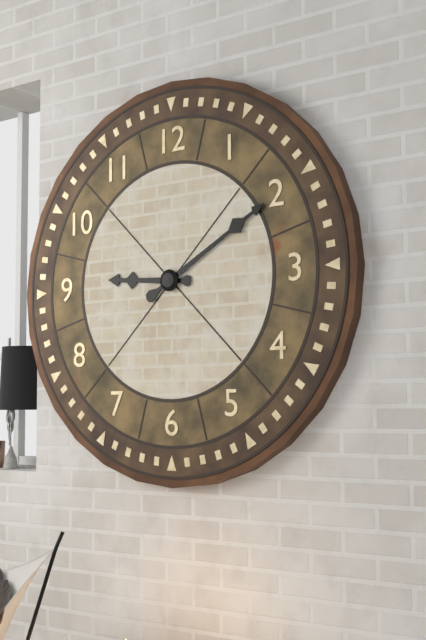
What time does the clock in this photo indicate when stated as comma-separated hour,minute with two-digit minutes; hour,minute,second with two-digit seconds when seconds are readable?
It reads 9,10
